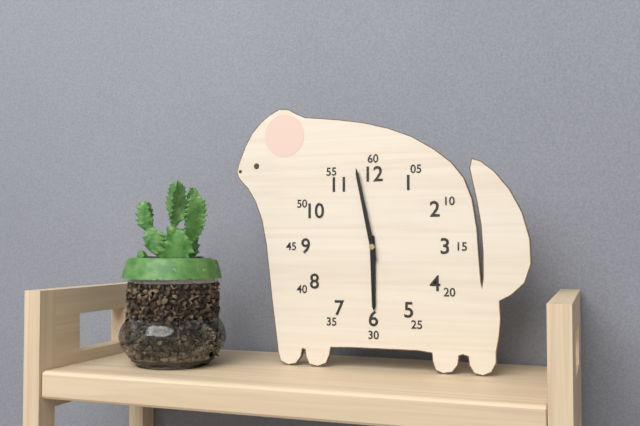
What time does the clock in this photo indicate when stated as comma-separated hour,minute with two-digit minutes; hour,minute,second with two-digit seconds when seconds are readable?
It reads 5,58
